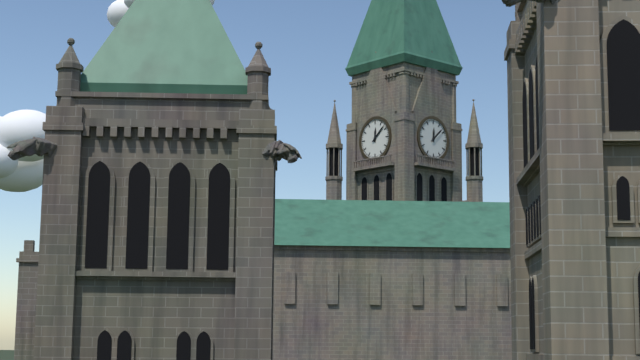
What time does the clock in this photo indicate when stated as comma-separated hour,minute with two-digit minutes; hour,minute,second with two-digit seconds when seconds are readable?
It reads 12,08
